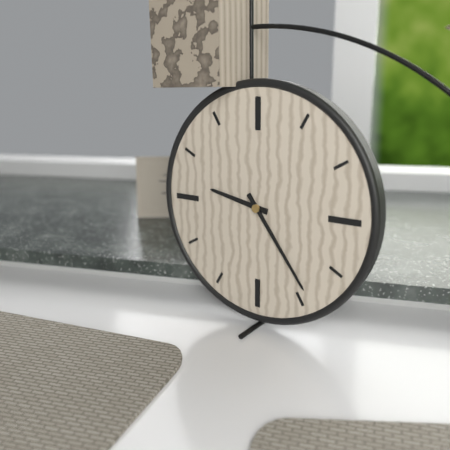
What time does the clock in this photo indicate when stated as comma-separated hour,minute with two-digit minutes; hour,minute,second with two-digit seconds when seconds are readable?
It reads 9,24
